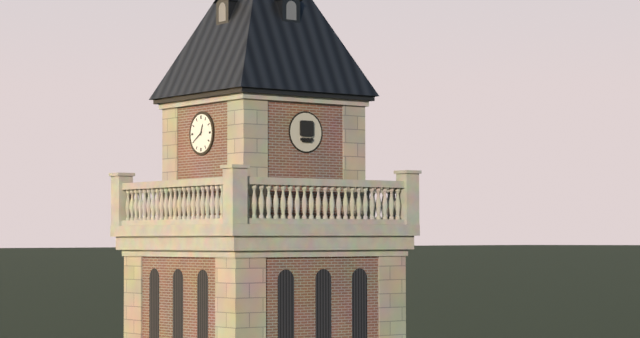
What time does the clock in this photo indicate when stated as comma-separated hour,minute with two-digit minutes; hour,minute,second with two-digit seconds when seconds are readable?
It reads 12,40
